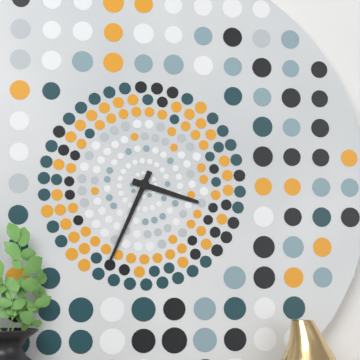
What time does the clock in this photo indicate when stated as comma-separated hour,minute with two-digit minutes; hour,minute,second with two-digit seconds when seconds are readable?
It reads 3,34
